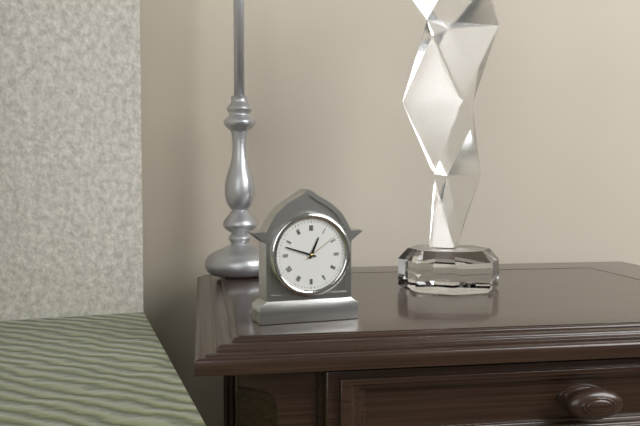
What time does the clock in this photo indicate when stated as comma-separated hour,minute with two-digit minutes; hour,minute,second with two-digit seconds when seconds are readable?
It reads 12,48
